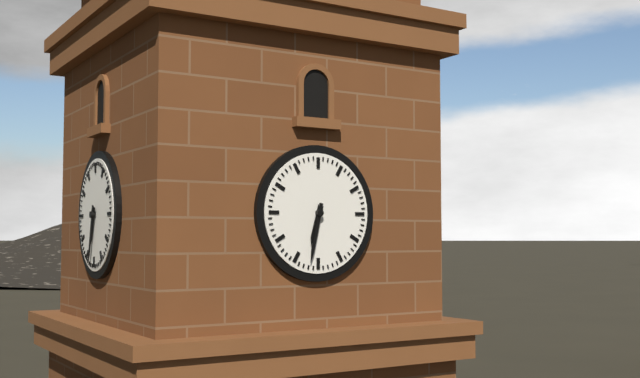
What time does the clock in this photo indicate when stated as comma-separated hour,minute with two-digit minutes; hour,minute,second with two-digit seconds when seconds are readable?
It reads 6,32
